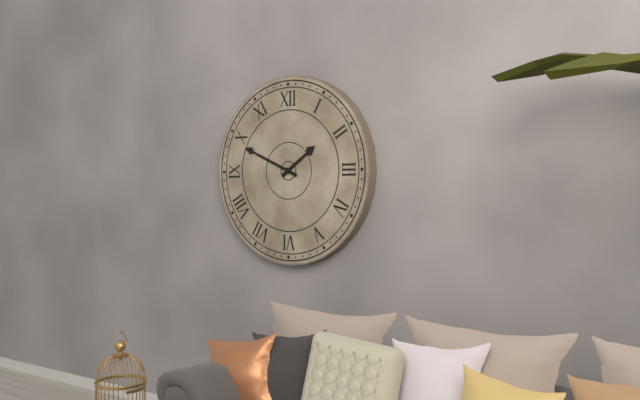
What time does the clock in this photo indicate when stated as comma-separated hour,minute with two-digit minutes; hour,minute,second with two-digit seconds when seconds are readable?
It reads 1,49
